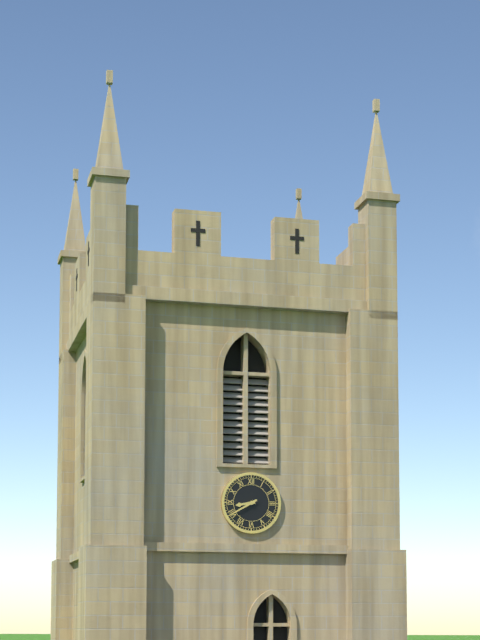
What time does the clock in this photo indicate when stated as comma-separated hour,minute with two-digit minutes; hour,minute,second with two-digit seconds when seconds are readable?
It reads 8,40
